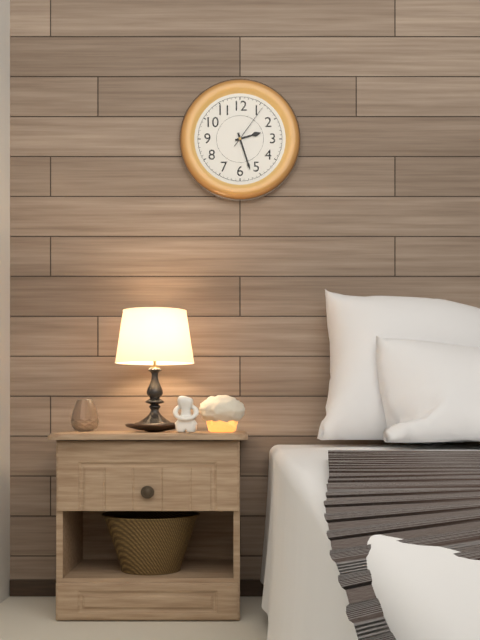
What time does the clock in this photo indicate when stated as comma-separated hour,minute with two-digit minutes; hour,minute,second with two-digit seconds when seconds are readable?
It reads 2,27,06
